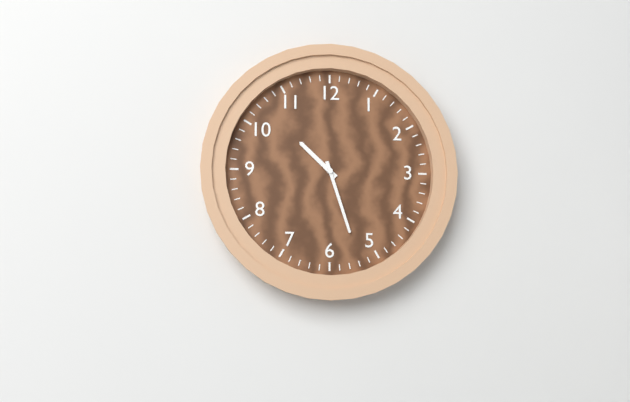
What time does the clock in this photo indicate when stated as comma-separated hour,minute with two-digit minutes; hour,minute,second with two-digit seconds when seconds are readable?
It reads 10,27
